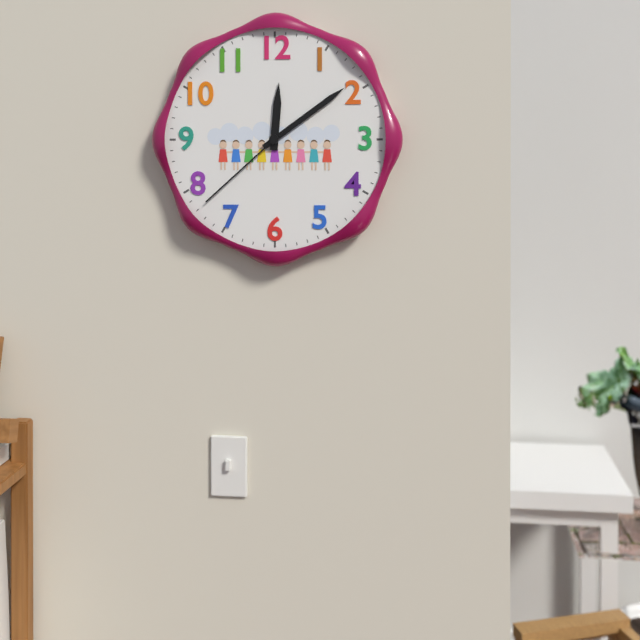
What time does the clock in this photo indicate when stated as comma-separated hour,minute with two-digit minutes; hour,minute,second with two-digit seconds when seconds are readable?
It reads 12,09,38
